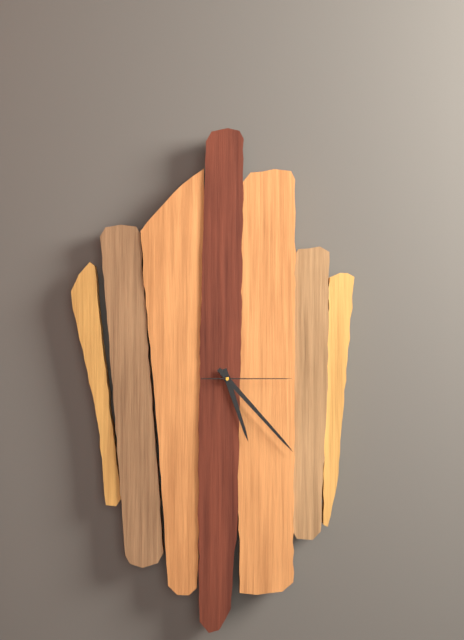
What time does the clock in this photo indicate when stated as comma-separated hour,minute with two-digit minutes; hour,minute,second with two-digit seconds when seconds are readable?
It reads 5,23,15
